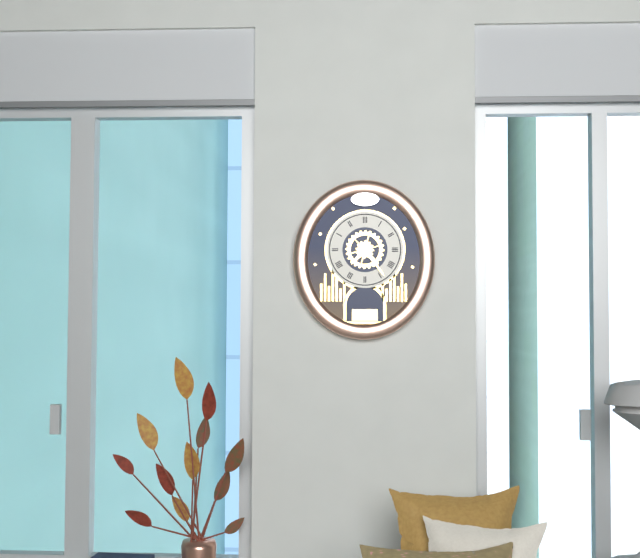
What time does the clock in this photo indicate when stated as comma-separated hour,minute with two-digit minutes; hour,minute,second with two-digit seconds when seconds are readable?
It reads 7,24
